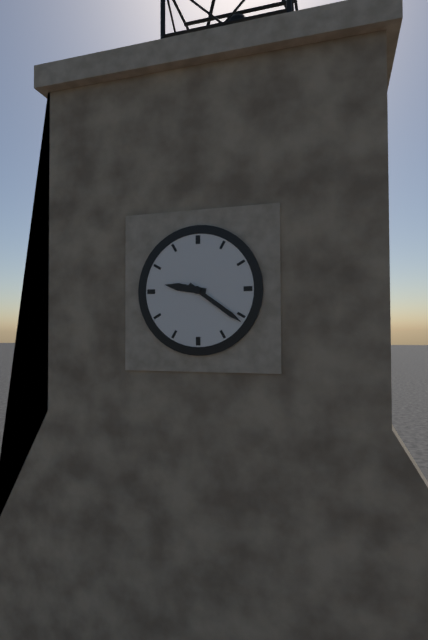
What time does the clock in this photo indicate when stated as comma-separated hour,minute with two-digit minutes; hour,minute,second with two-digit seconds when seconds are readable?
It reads 9,21
